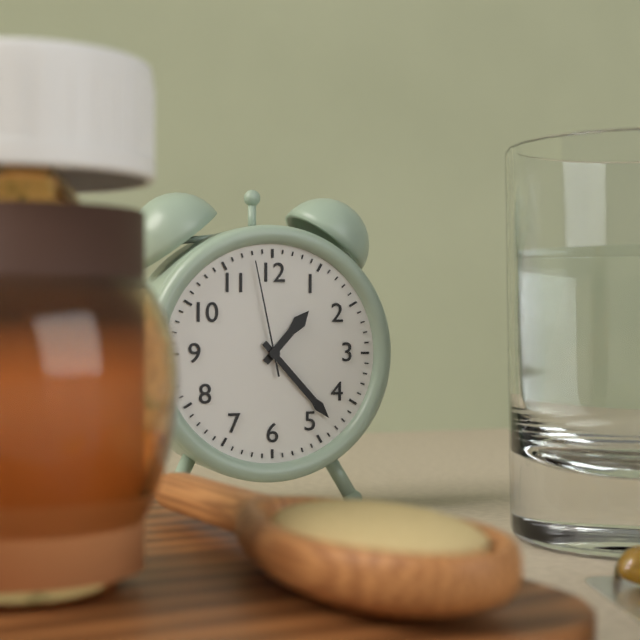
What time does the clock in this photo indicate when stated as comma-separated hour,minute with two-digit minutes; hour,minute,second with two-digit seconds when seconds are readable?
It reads 1,23,58
